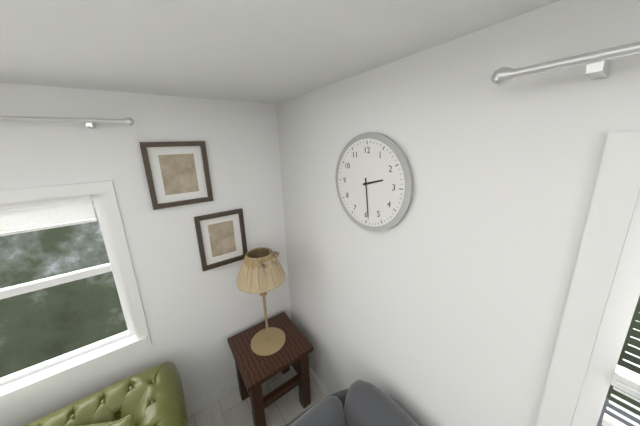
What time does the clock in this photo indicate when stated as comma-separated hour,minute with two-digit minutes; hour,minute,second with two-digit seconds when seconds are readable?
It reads 2,29
